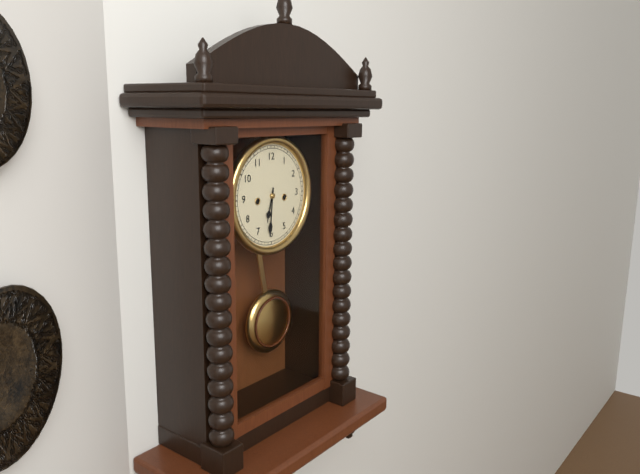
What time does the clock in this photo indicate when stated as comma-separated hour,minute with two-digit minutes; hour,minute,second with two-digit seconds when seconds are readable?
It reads 6,31
